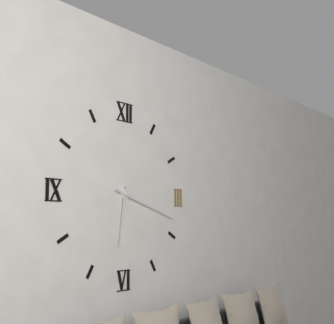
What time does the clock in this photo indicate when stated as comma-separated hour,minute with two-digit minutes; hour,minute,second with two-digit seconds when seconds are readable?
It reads 6,18
